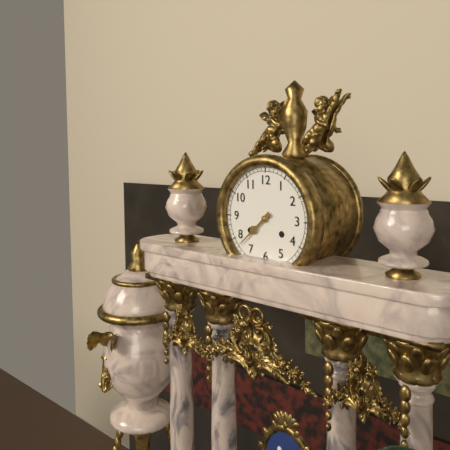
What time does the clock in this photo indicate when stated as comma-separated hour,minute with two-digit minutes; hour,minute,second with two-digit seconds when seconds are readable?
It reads 7,38
